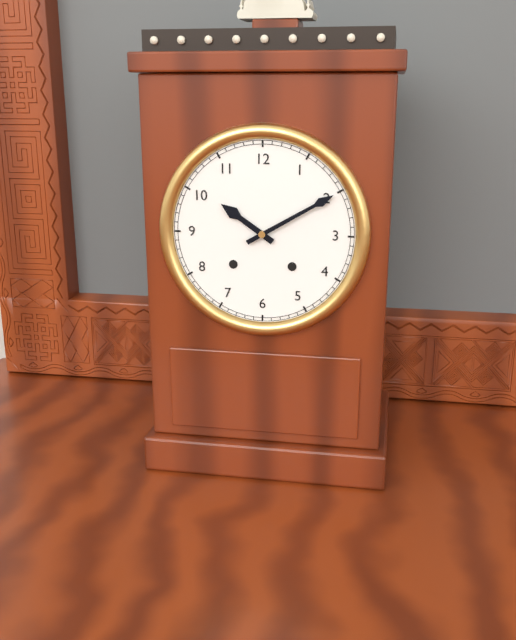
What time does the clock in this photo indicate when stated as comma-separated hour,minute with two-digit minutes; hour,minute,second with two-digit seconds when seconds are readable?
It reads 10,10
